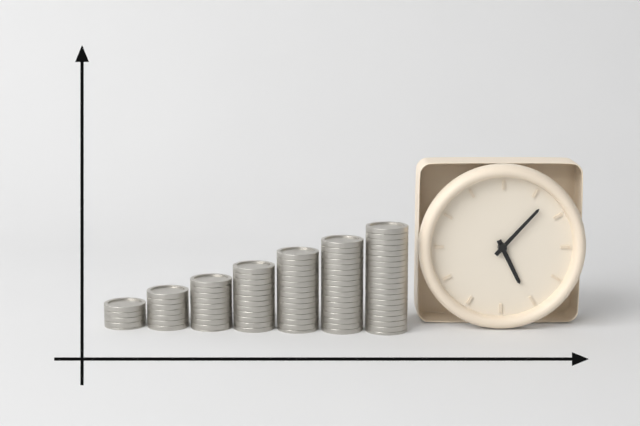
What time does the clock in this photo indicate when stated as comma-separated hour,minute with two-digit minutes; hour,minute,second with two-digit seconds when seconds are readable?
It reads 5,07
